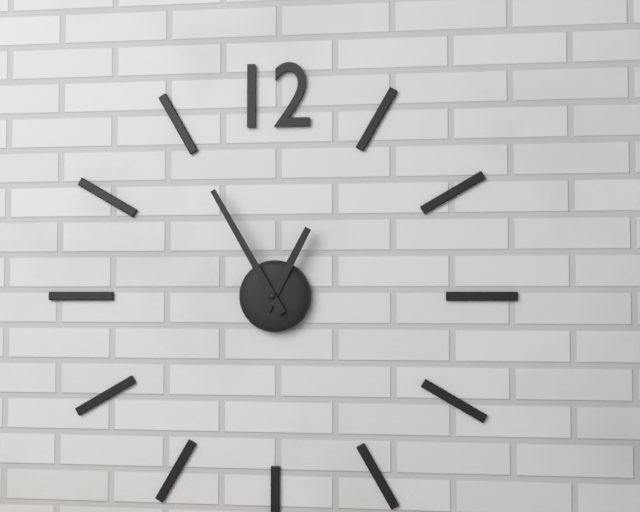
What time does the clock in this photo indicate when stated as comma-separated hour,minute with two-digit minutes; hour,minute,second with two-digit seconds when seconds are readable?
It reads 12,55
